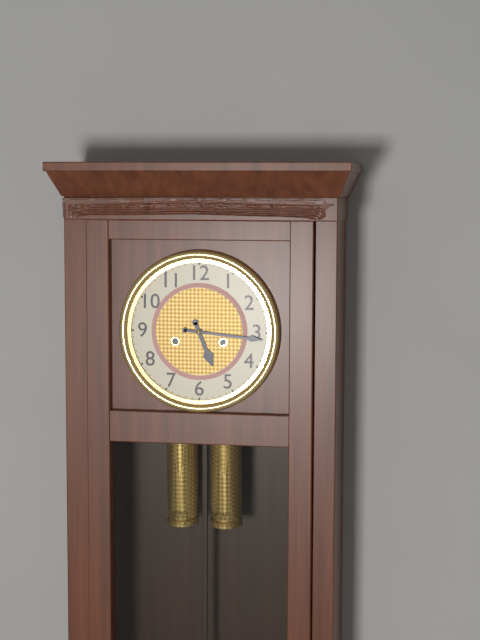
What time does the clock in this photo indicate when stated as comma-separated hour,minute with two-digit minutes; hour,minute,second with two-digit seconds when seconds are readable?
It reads 5,16
